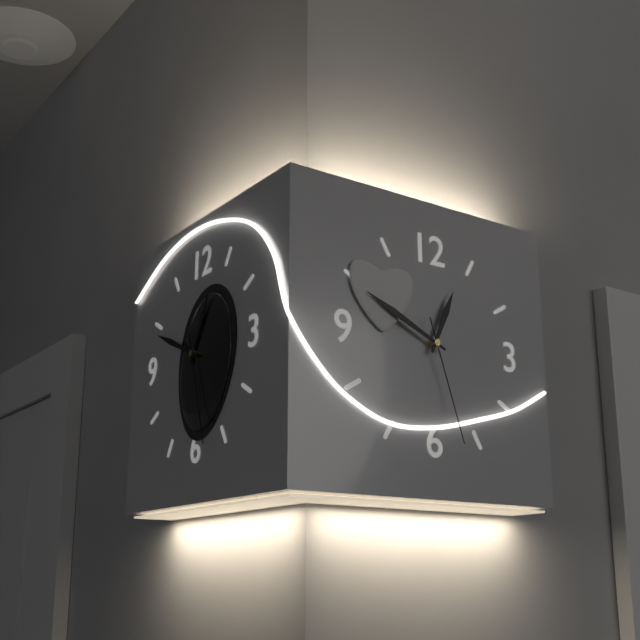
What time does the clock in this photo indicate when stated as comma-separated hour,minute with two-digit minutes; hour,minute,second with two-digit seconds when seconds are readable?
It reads 12,49,27
